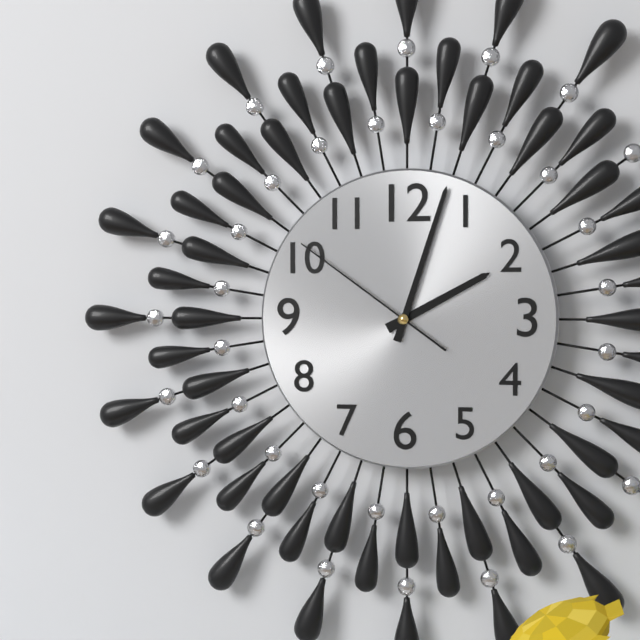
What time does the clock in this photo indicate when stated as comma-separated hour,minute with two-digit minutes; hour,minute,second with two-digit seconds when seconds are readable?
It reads 2,03,51
